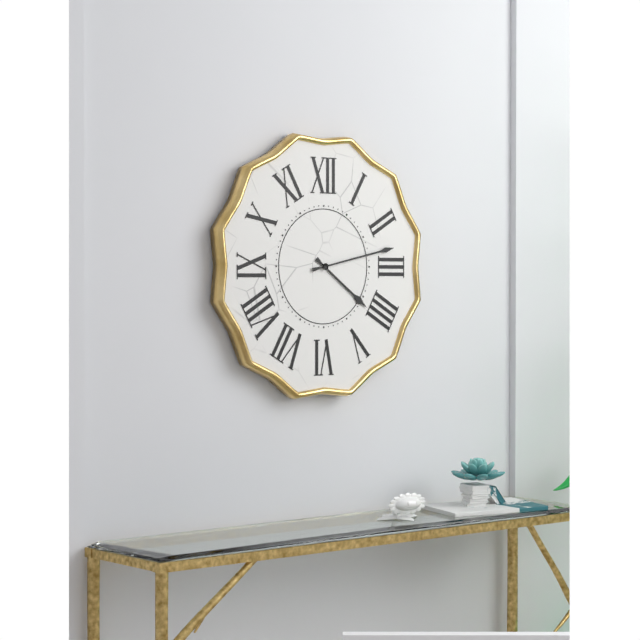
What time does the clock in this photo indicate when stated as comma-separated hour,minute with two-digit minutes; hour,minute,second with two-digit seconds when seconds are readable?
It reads 4,13
